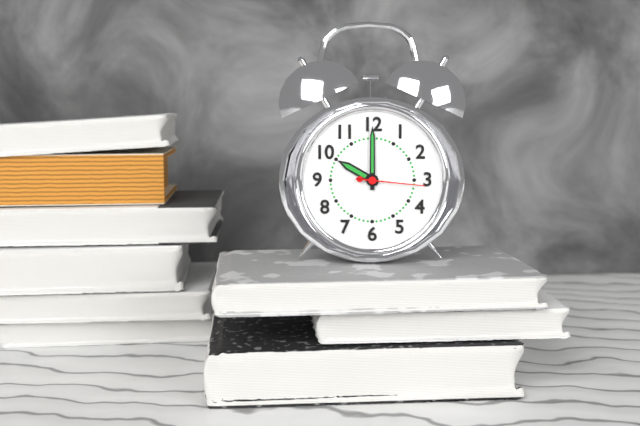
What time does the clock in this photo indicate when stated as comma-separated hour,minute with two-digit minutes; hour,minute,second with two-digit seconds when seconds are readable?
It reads 10,00,16
